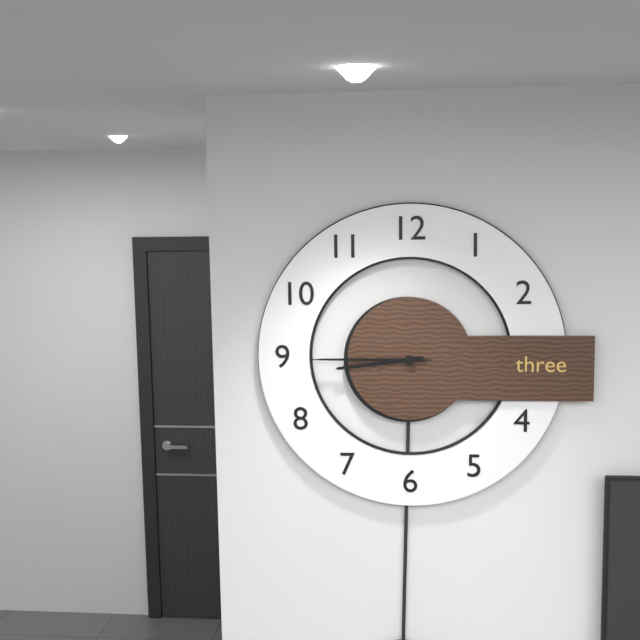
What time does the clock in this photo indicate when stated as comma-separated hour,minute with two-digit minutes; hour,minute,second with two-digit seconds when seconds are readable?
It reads 8,45,45
